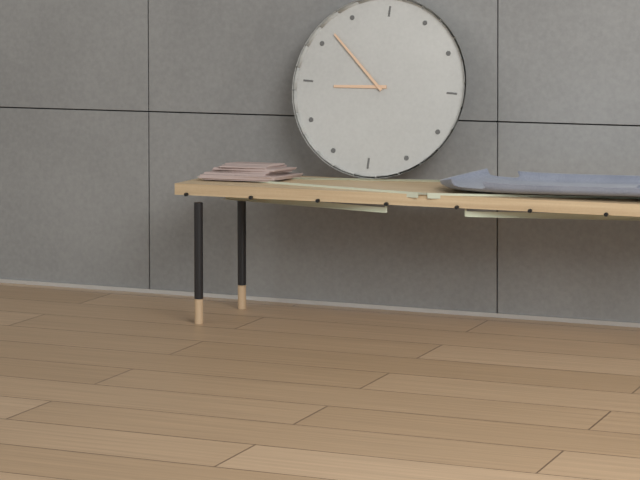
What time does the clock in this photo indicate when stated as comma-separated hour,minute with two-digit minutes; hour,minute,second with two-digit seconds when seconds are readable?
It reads 8,52
